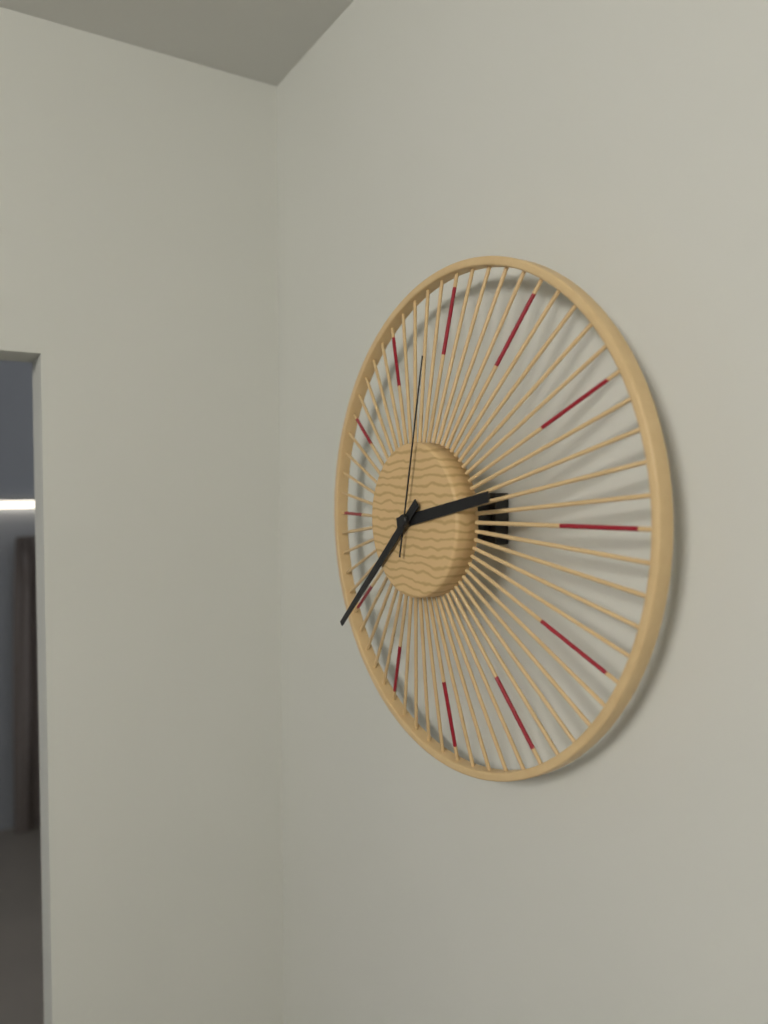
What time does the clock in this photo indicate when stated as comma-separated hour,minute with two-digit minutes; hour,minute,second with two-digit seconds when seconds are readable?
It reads 2,38,02
